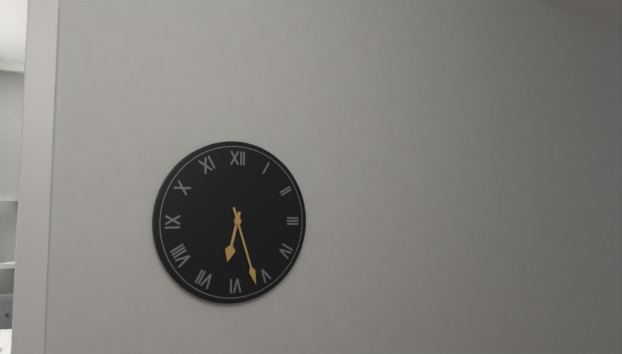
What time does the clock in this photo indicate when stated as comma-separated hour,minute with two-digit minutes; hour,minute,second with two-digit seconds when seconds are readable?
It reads 6,27
